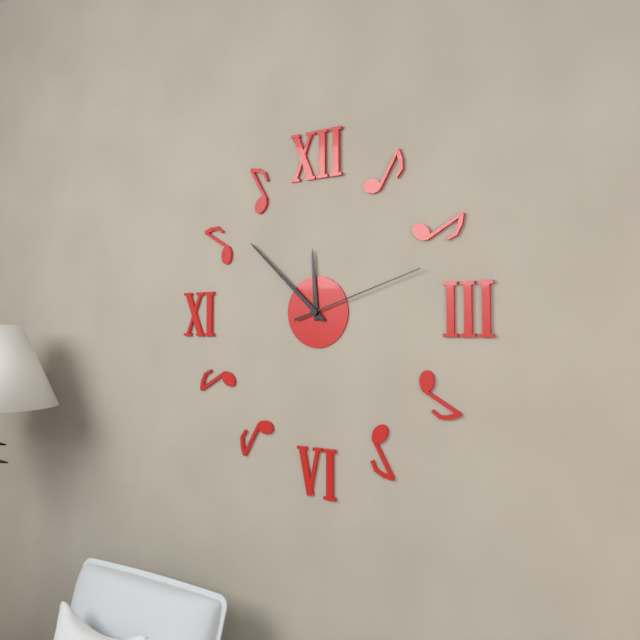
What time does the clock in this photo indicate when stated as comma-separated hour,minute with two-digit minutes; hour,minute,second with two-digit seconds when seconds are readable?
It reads 11,52,12
